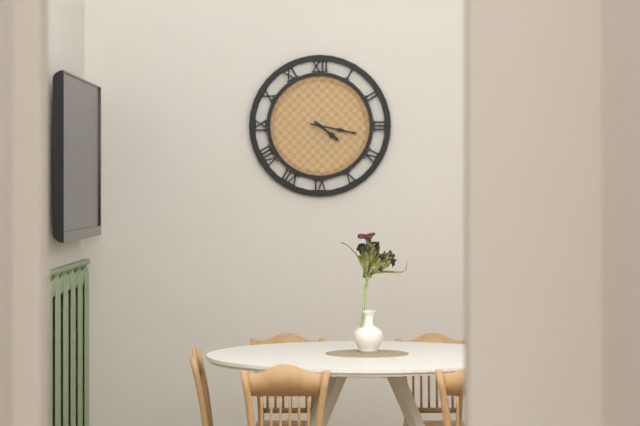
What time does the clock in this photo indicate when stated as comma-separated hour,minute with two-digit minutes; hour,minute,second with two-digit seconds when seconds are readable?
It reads 4,17
